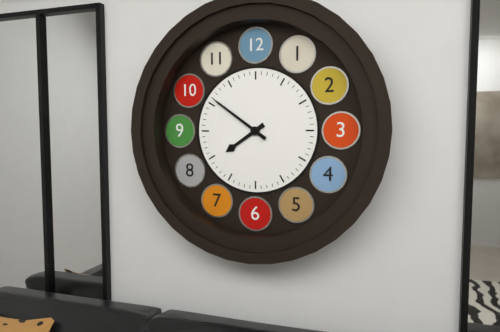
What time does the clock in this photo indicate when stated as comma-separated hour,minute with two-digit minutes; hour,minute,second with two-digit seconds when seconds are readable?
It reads 7,51
